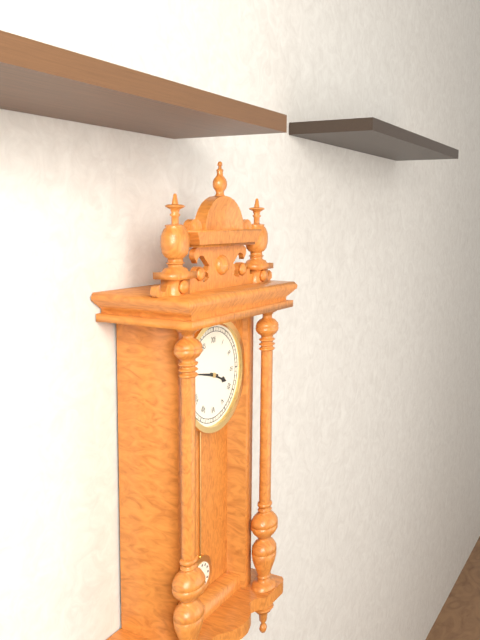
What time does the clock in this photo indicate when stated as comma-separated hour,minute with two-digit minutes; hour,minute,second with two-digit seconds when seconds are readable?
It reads 3,47
